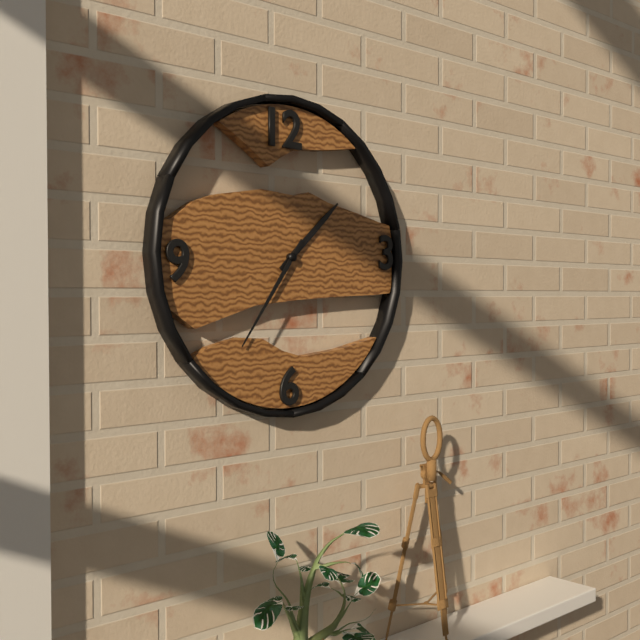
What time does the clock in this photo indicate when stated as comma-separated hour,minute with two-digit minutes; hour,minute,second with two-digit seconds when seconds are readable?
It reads 1,36
